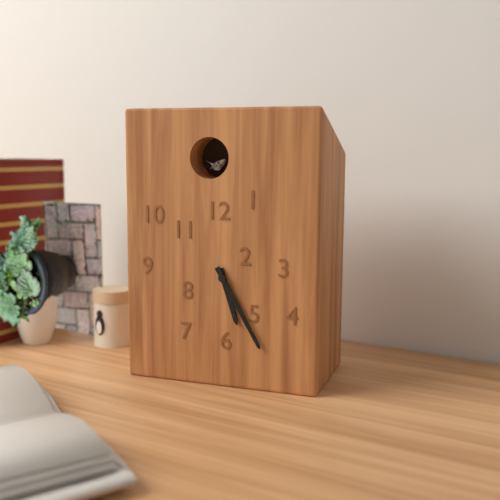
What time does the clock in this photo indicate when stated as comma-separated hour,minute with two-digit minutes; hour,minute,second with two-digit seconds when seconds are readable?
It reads 5,25
